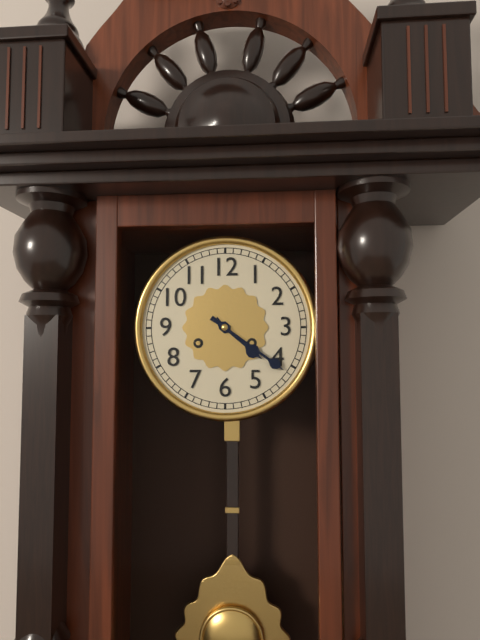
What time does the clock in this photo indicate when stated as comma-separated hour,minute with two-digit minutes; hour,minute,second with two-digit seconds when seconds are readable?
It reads 4,21
